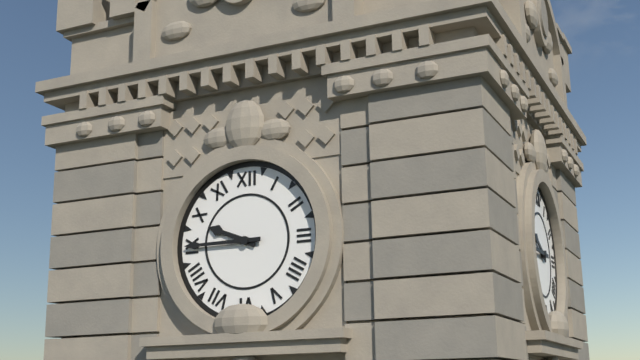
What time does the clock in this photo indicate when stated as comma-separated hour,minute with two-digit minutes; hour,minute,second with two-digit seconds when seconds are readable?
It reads 9,45
